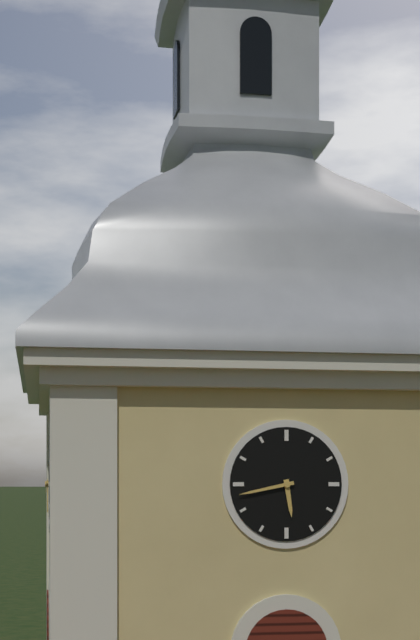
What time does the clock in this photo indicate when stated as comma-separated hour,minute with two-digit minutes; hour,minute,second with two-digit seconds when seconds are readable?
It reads 5,43
